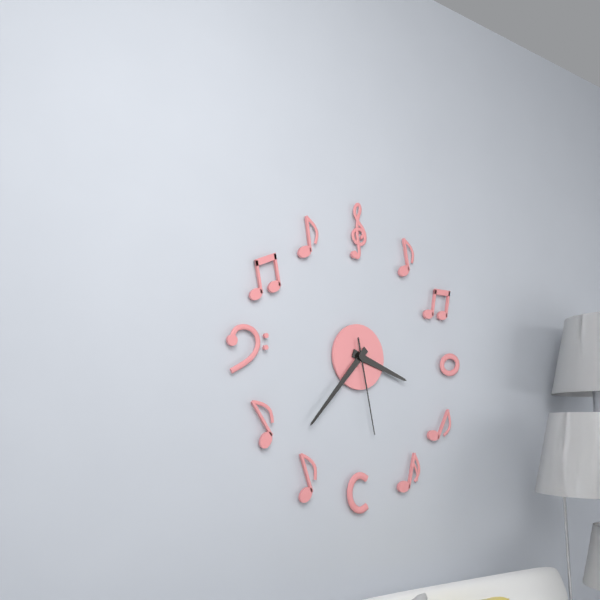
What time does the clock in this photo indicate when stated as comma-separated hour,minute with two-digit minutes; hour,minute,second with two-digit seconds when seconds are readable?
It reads 3,37,28
